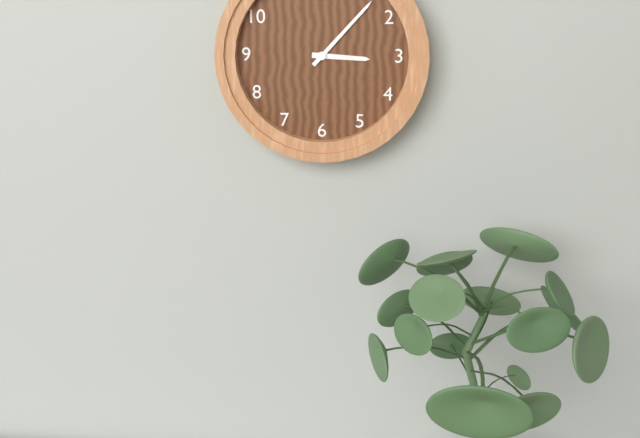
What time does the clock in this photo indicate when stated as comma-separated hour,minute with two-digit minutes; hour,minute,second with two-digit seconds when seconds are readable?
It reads 3,07
